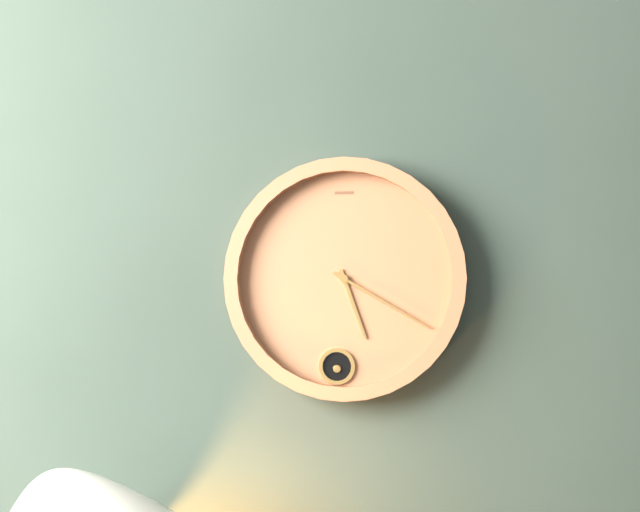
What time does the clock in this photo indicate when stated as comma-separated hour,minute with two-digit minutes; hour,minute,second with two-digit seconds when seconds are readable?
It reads 5,20
